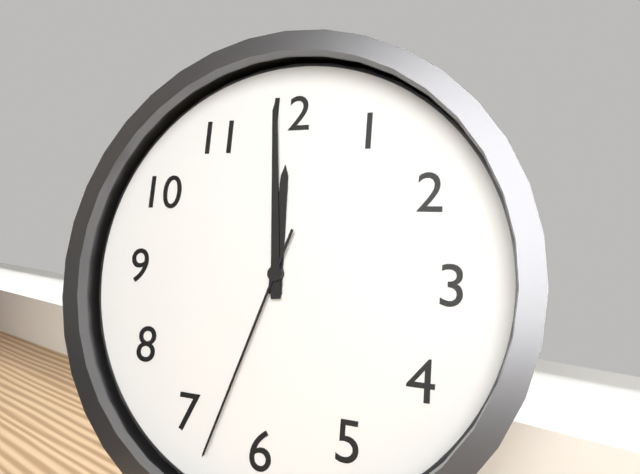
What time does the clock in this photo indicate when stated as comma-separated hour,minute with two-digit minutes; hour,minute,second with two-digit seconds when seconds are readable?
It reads 11,59,33
